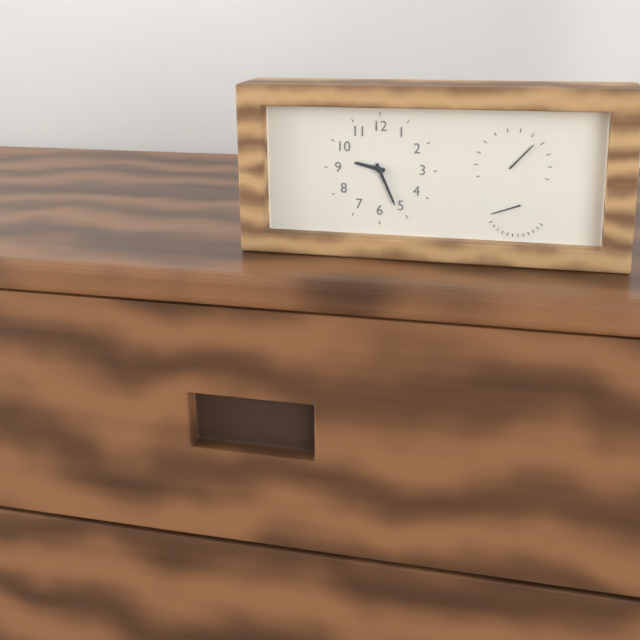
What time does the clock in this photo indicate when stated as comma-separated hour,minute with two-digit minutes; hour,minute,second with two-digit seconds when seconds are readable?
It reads 9,26
